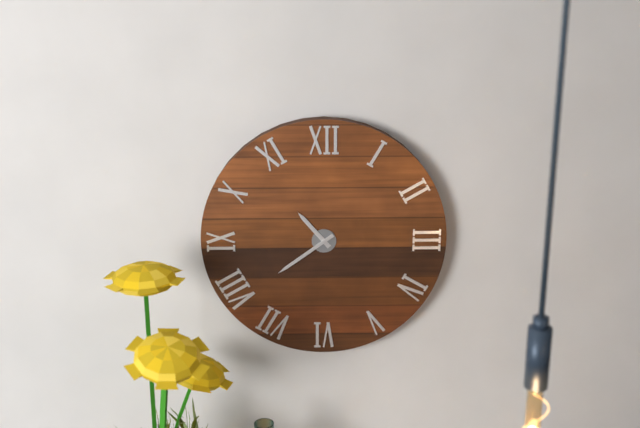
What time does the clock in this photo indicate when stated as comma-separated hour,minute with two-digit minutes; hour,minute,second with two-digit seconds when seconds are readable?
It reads 10,39
